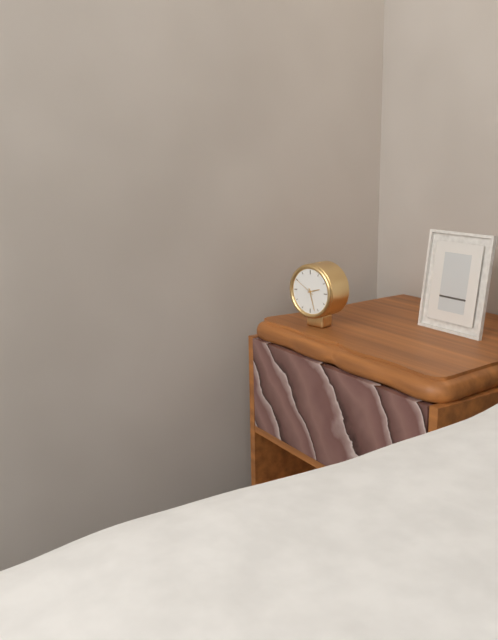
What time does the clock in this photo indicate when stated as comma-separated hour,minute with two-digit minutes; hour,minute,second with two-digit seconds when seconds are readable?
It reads 2,27
